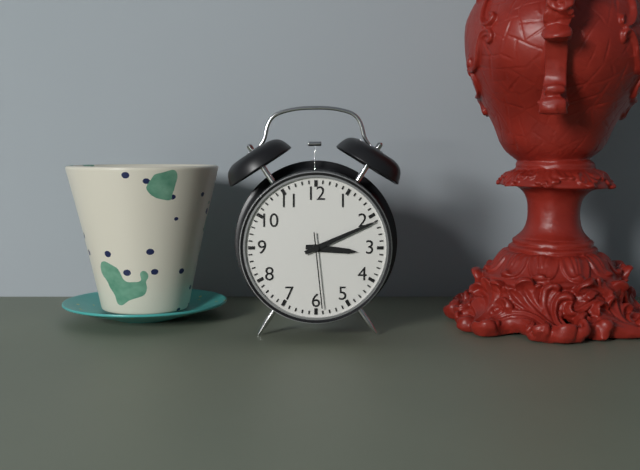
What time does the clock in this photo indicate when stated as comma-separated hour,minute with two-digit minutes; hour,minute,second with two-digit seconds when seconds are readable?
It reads 3,11,29
